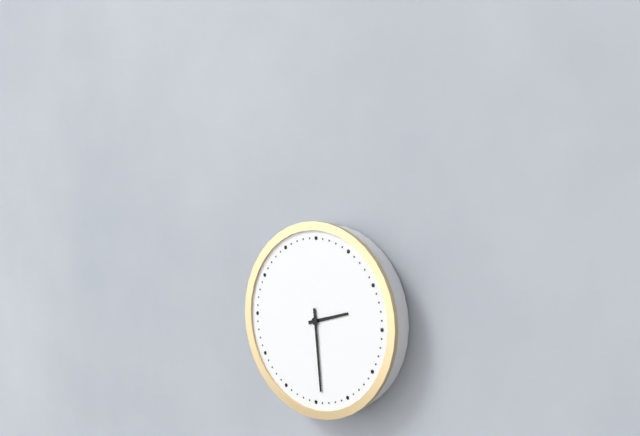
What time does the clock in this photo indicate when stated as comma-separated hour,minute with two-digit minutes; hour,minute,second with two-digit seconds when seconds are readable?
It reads 2,29
